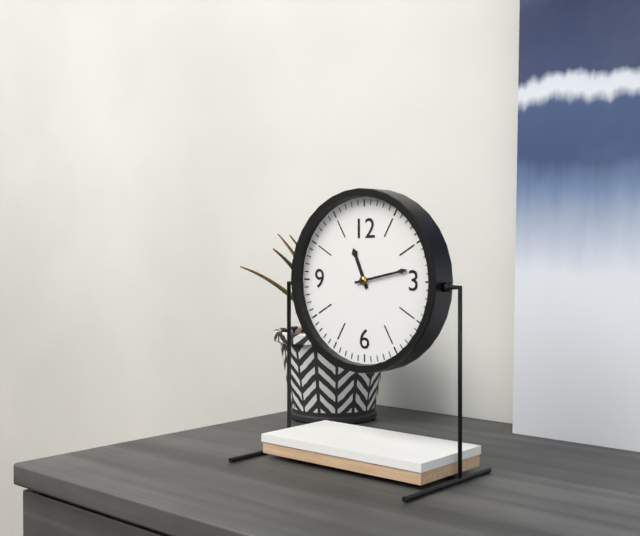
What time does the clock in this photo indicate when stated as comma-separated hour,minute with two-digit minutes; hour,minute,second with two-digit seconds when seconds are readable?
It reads 11,13
